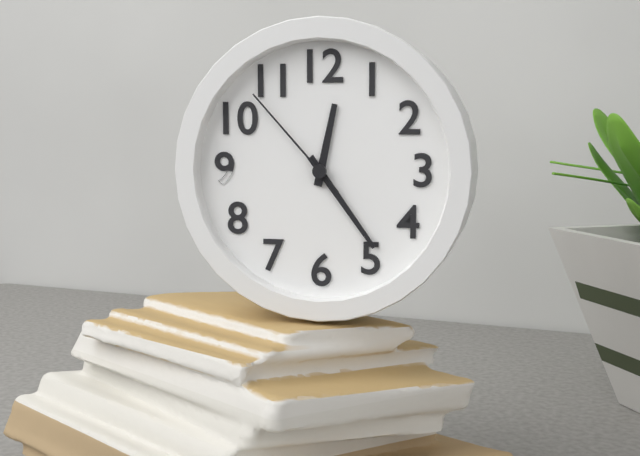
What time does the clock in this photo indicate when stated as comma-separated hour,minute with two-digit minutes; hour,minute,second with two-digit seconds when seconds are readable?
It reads 12,24,53
